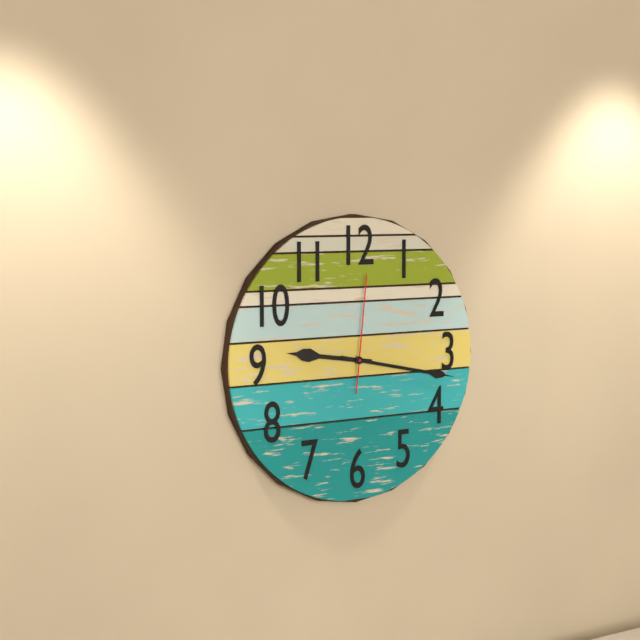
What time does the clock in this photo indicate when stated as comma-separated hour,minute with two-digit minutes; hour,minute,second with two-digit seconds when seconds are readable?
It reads 9,17,01
